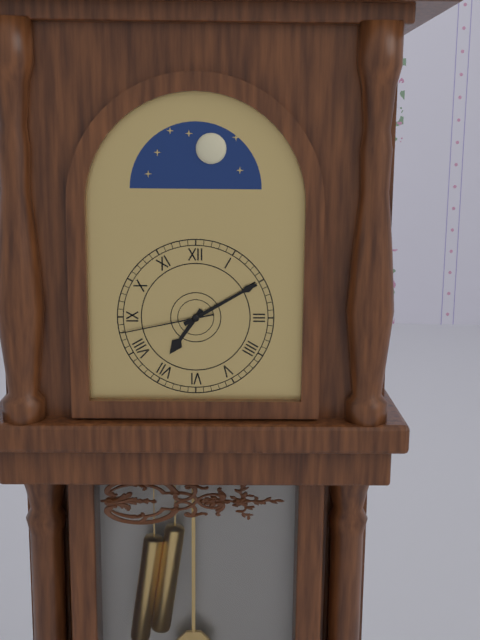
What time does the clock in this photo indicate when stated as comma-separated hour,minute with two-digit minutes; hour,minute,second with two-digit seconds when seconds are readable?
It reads 7,10,43
